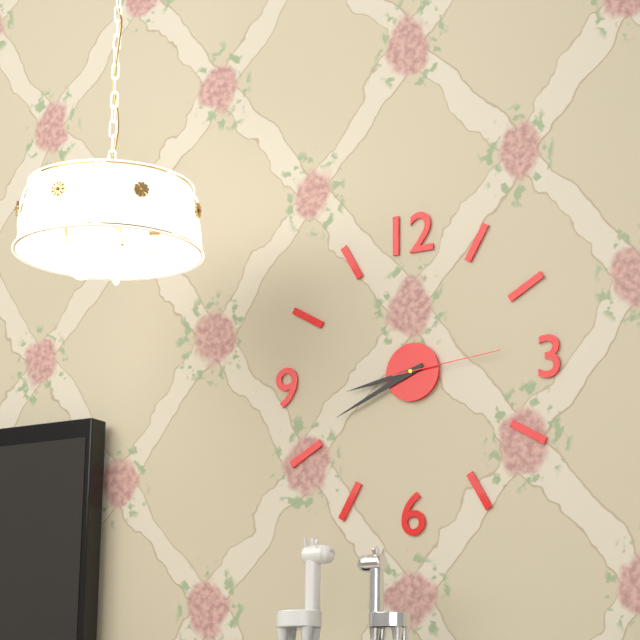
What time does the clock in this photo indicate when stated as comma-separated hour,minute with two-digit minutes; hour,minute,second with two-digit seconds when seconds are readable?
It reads 8,41,14
